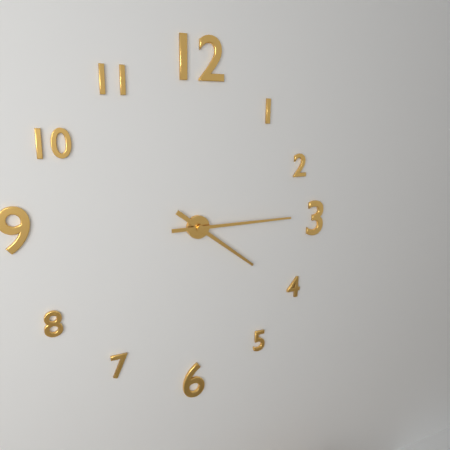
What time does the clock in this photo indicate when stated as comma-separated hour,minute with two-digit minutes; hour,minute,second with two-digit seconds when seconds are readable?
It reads 4,15
